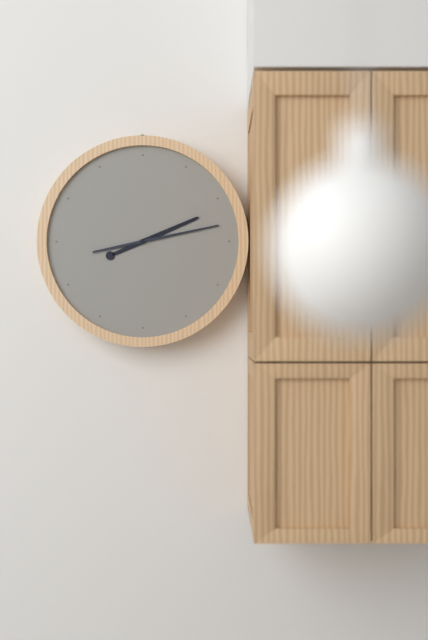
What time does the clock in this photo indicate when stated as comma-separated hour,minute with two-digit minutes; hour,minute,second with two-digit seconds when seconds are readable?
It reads 2,13
